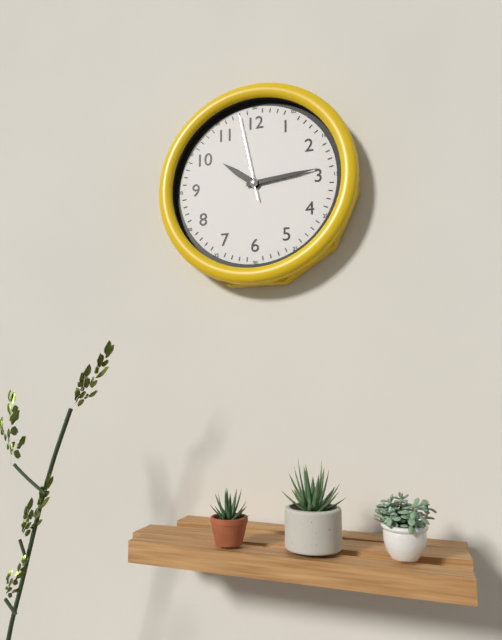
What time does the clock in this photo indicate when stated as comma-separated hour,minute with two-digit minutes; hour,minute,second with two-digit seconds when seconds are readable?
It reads 10,14,58
